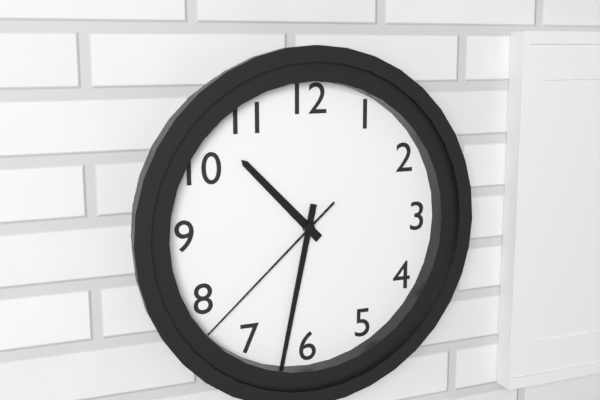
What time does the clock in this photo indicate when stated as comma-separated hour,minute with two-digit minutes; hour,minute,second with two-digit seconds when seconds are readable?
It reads 10,32,38
